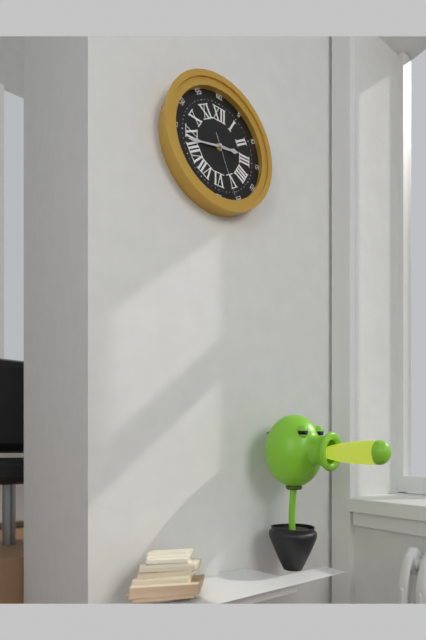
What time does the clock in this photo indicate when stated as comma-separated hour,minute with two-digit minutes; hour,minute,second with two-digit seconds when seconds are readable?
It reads 2,43,26
